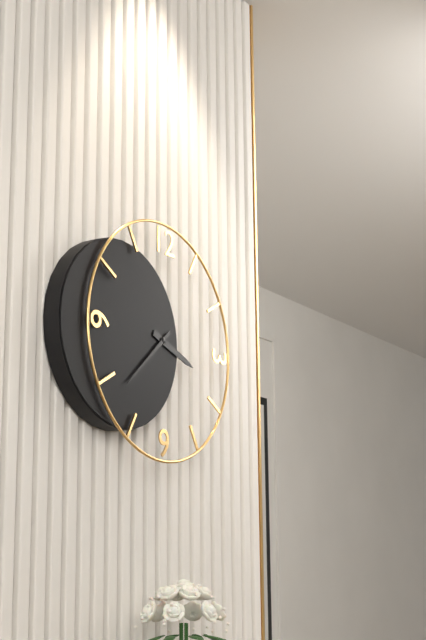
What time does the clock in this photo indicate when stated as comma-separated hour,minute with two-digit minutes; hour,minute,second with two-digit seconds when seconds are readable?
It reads 3,38
